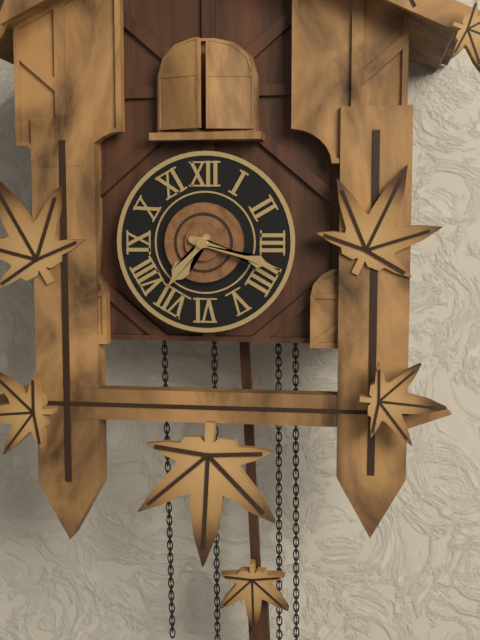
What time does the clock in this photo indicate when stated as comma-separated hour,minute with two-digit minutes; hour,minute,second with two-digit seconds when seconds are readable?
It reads 7,18
